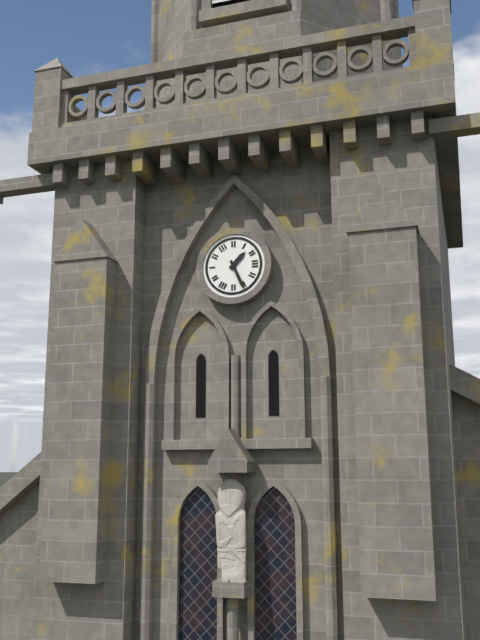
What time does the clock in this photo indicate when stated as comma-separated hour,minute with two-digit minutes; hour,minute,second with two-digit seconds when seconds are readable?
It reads 1,26
